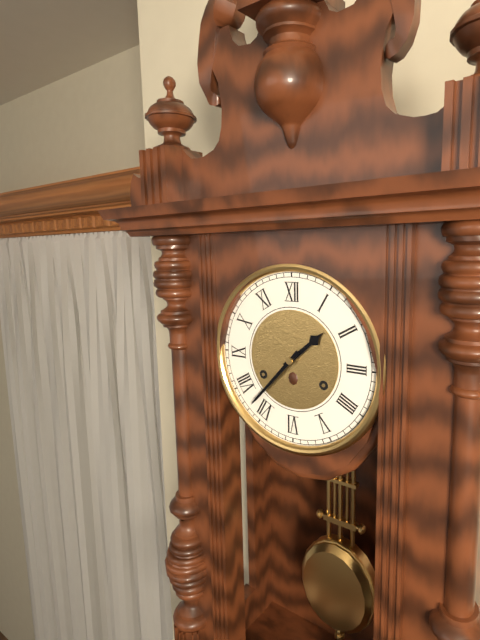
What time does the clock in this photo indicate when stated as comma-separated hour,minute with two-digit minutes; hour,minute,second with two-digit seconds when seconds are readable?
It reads 1,37
